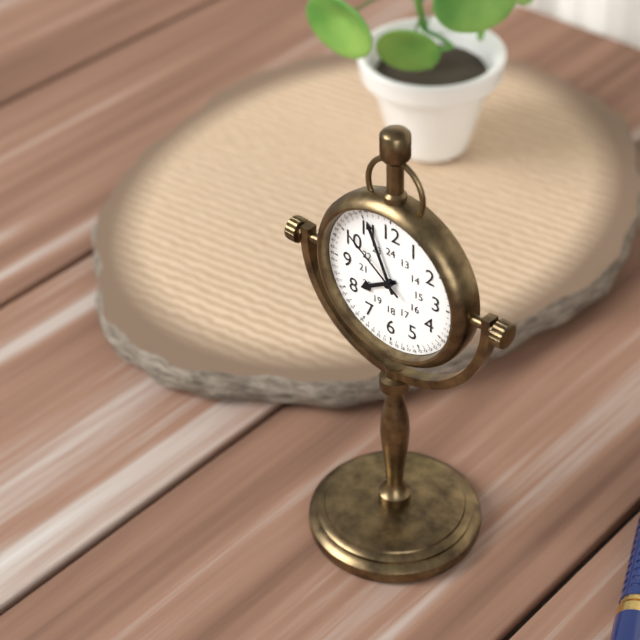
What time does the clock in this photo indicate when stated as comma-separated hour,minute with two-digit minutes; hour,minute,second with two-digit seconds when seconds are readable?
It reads 7,56,51
